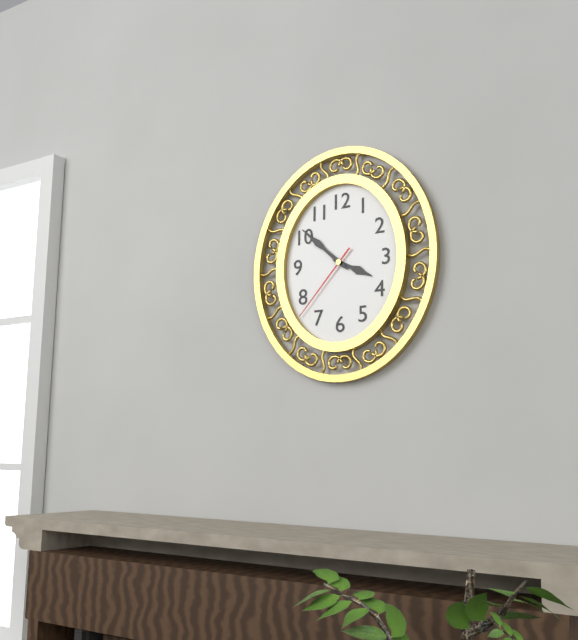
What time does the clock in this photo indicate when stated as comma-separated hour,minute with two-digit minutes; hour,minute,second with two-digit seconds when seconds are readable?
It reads 3,52,37
